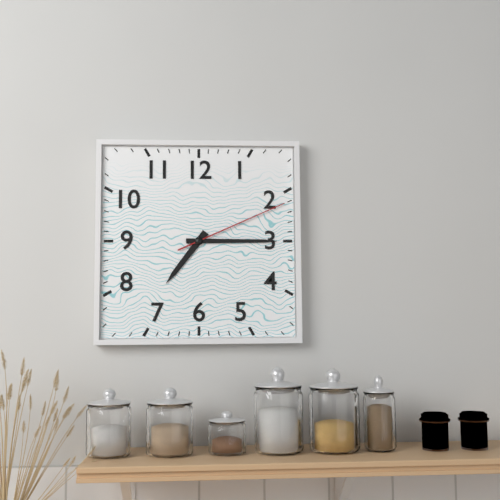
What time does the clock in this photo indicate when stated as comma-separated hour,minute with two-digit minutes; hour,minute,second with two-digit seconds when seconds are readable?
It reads 7,15,11
